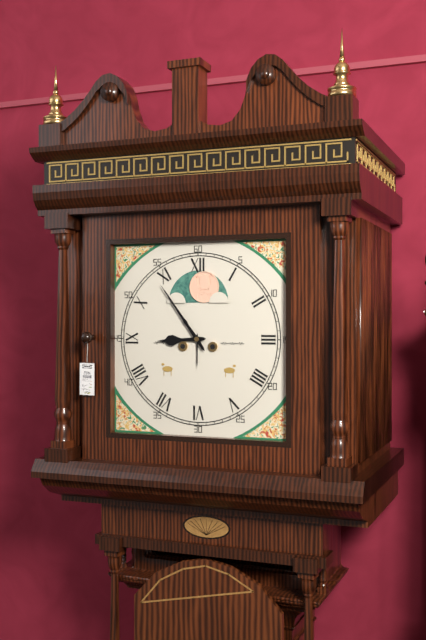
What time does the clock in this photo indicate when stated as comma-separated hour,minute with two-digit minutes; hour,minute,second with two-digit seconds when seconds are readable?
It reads 8,54
